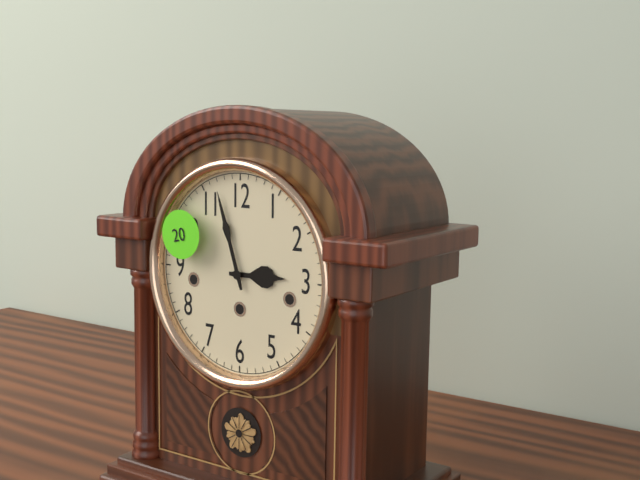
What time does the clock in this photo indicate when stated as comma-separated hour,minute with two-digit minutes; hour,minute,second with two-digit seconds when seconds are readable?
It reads 2,57
